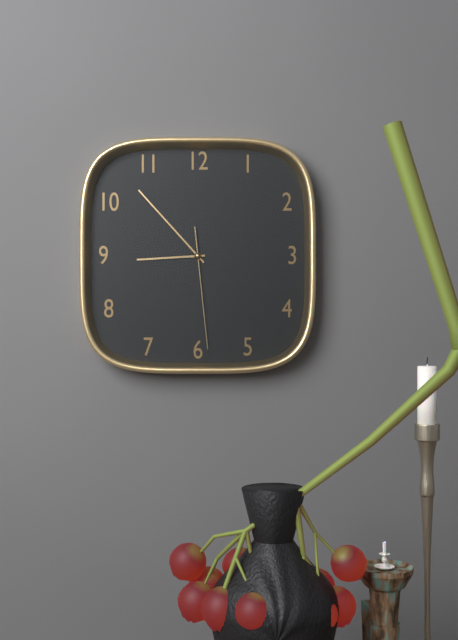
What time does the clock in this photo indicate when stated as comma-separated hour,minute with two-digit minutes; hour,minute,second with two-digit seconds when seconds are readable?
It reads 8,53,29
